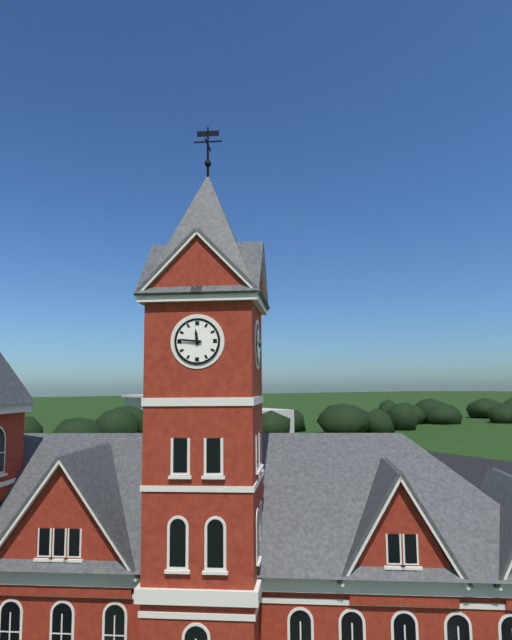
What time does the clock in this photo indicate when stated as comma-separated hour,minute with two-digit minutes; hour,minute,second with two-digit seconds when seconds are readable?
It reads 11,46
